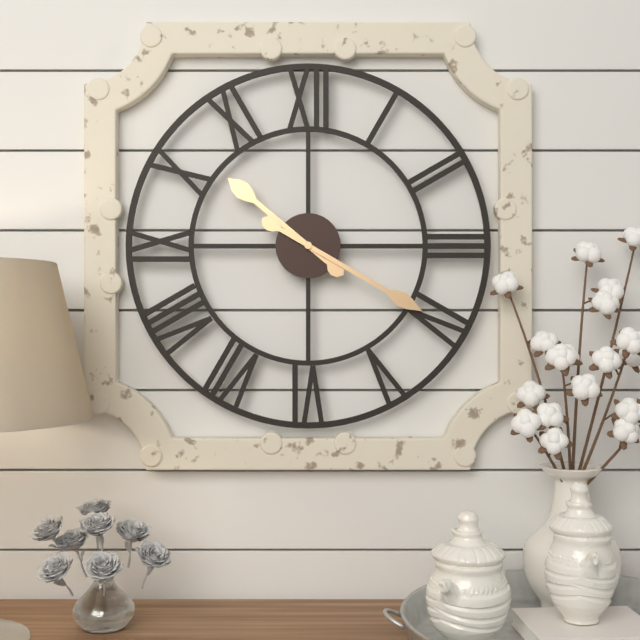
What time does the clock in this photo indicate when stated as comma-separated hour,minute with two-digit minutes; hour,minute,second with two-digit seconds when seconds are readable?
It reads 10,20
